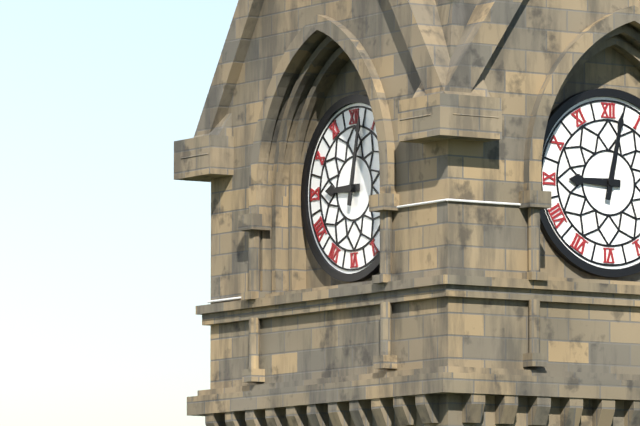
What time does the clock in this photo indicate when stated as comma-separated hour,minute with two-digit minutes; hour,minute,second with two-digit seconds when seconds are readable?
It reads 9,02
